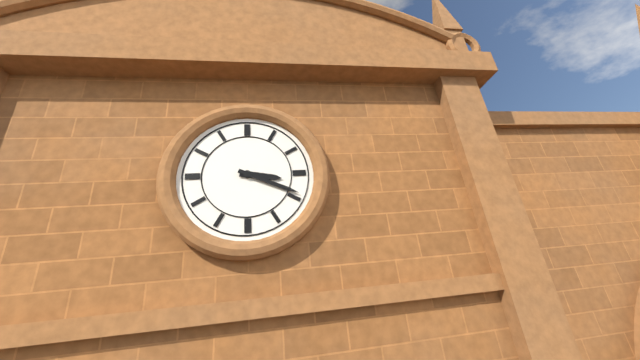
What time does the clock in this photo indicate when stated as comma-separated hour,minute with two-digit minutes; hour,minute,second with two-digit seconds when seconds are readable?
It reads 3,19
